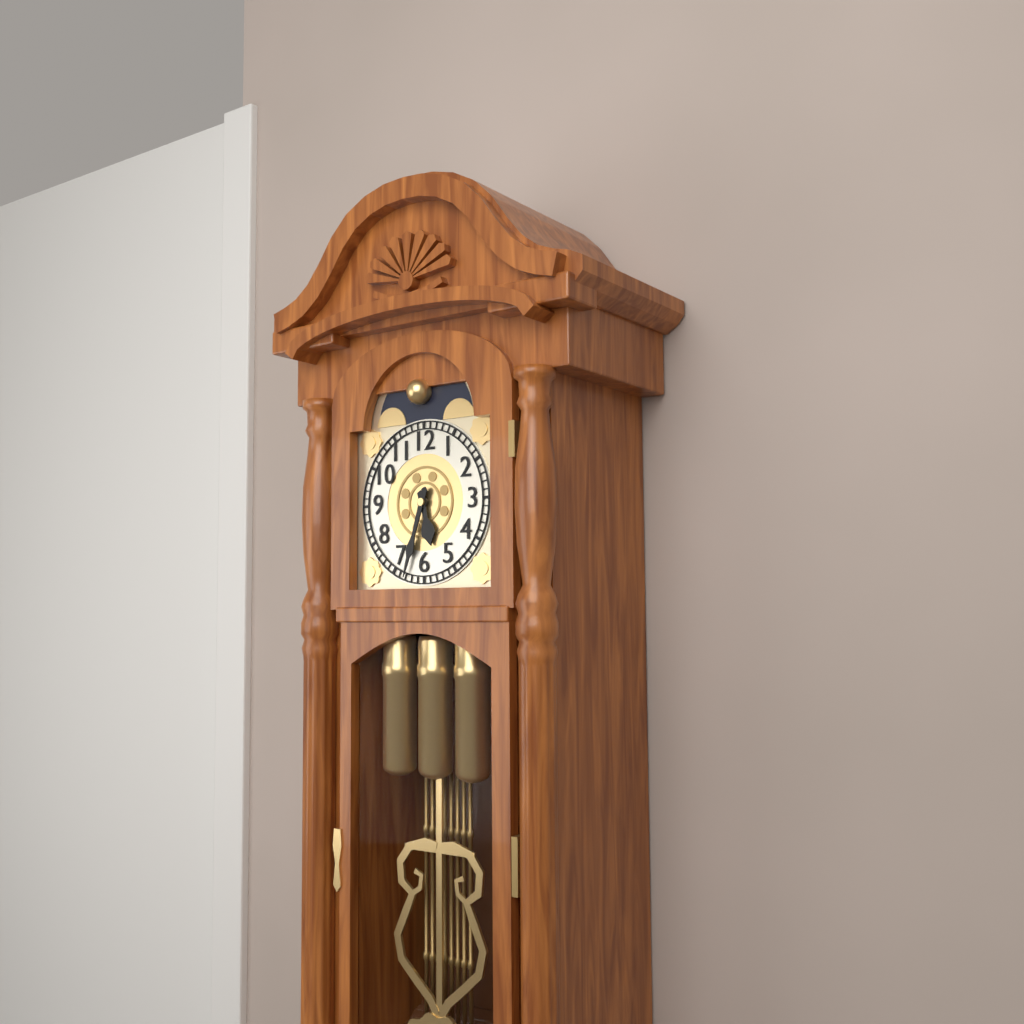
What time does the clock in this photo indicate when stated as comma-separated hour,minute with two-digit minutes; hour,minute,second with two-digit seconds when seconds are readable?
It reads 5,33
